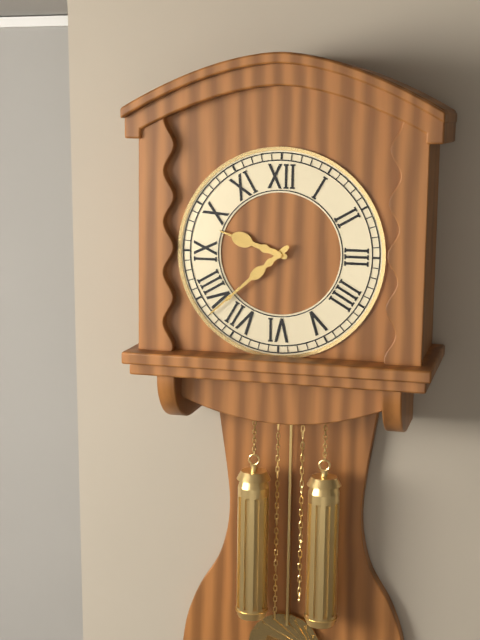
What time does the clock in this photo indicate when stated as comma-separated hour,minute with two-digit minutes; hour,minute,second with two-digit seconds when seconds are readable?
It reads 9,38
